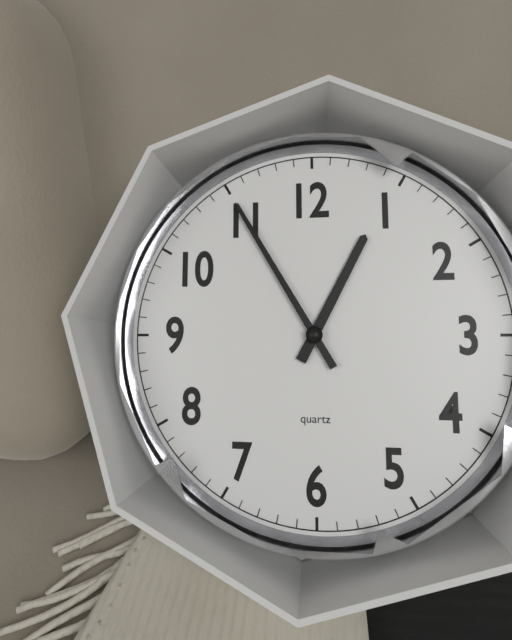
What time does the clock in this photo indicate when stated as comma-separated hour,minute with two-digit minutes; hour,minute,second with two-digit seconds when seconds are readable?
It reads 12,55
